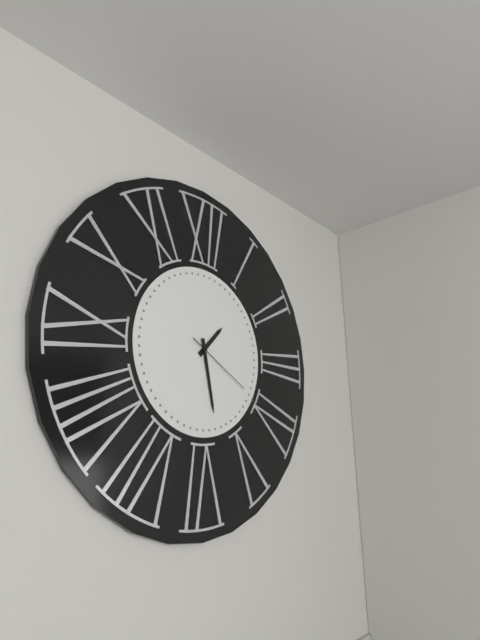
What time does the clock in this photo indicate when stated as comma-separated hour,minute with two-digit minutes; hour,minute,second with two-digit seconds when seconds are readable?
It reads 1,28,20
